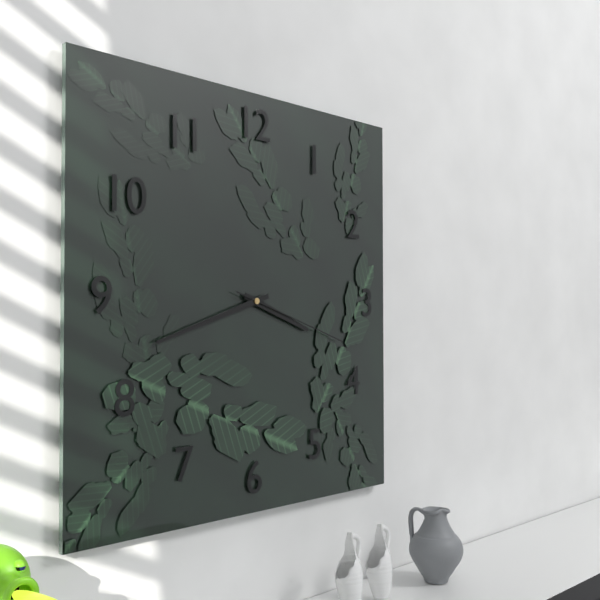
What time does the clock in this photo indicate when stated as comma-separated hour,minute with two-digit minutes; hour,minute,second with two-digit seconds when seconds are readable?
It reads 3,42,18
